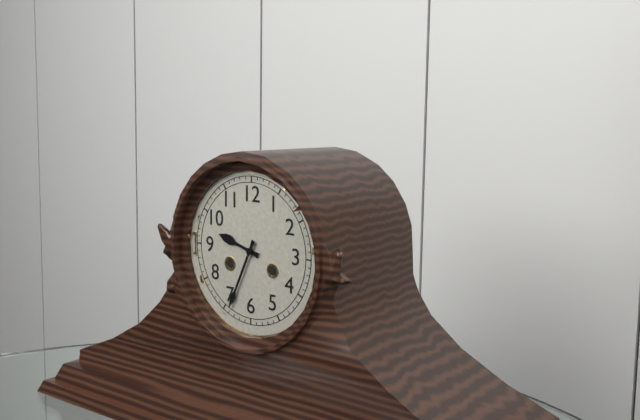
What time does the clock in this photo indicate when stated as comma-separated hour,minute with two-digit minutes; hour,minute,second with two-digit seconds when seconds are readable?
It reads 9,34
